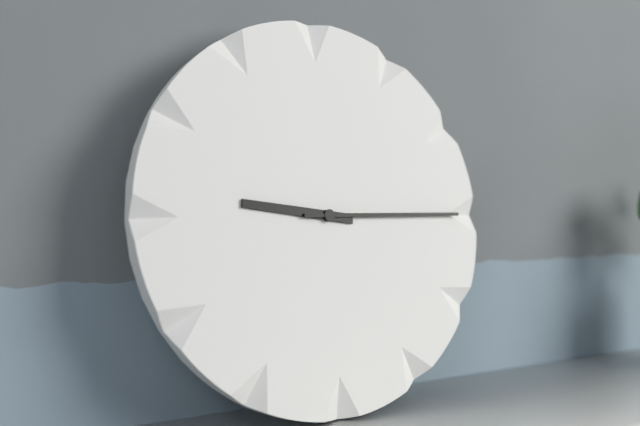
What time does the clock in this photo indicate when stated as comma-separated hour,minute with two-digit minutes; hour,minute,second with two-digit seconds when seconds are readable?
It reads 9,15
